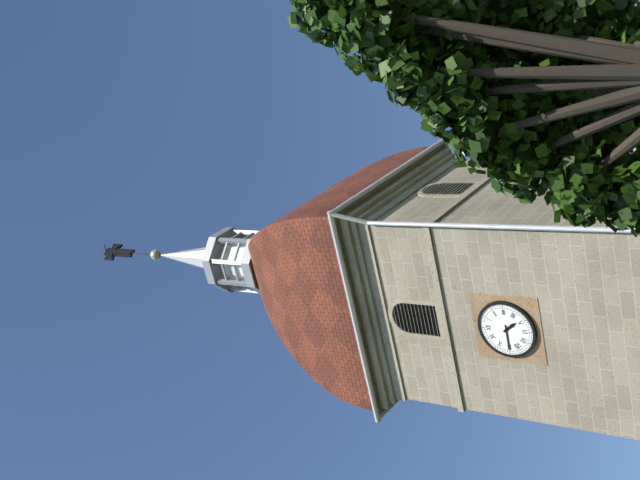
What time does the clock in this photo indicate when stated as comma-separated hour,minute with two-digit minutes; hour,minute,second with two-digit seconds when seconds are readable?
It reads 4,45
